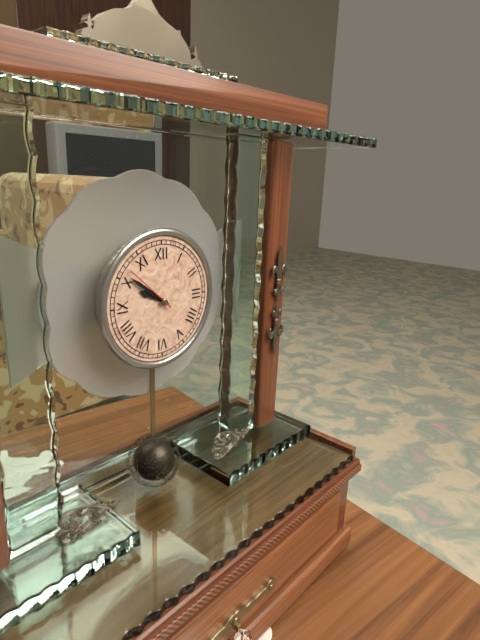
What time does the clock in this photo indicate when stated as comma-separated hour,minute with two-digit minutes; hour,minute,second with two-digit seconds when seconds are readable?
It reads 9,51,52
